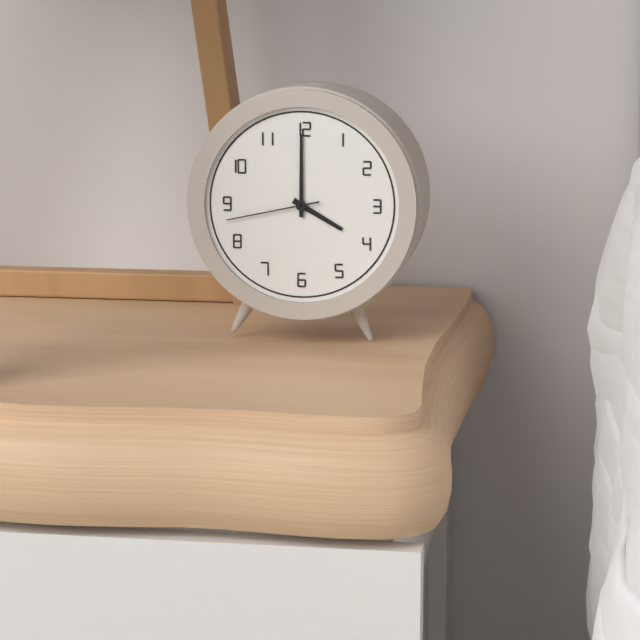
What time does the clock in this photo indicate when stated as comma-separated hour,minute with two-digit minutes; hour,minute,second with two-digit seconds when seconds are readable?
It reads 4,00,43
